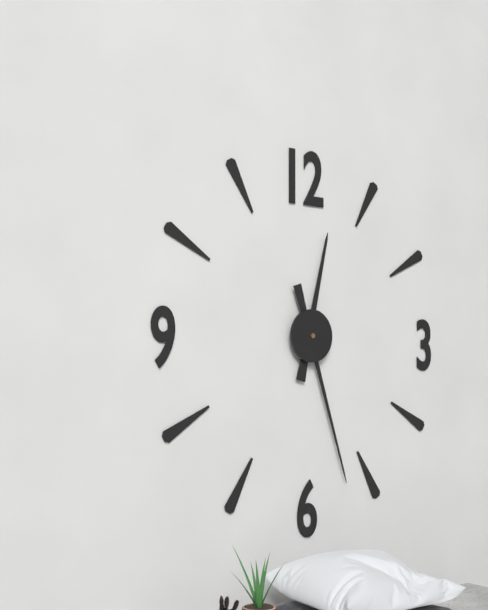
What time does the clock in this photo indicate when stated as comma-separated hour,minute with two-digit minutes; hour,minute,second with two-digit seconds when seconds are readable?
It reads 12,27
